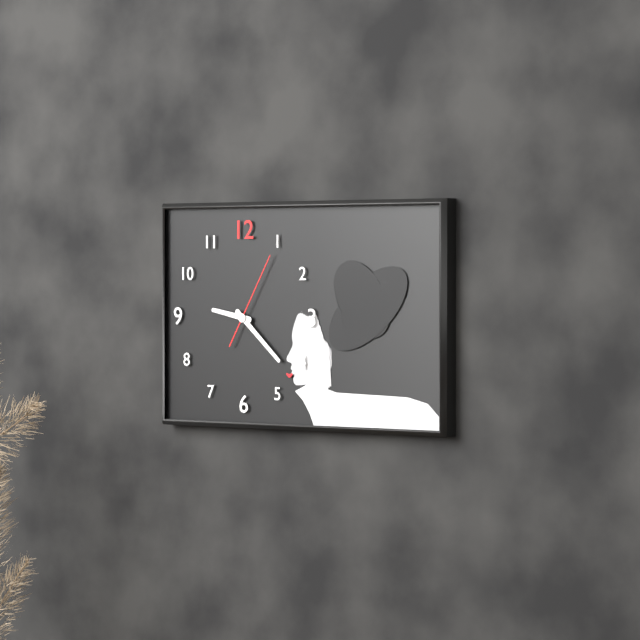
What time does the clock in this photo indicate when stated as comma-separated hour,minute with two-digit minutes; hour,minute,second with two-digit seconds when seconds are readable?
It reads 9,22,05
